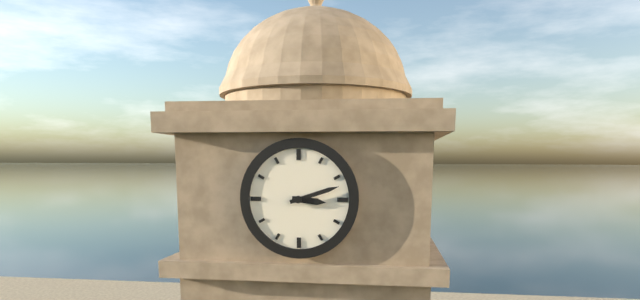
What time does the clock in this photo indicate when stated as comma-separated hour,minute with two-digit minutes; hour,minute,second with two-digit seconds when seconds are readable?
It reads 3,12
